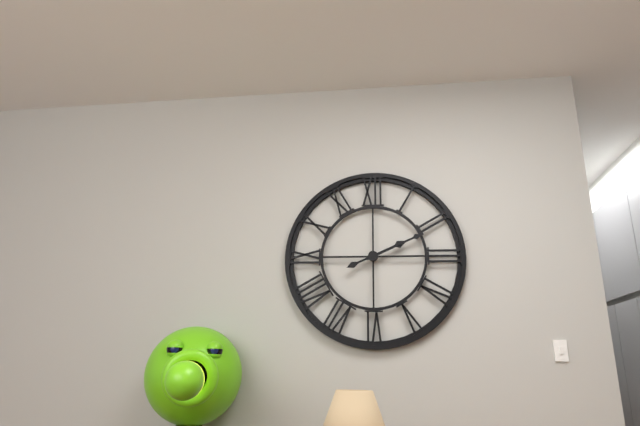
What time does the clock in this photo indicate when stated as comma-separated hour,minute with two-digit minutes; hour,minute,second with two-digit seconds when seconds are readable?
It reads 2,11
